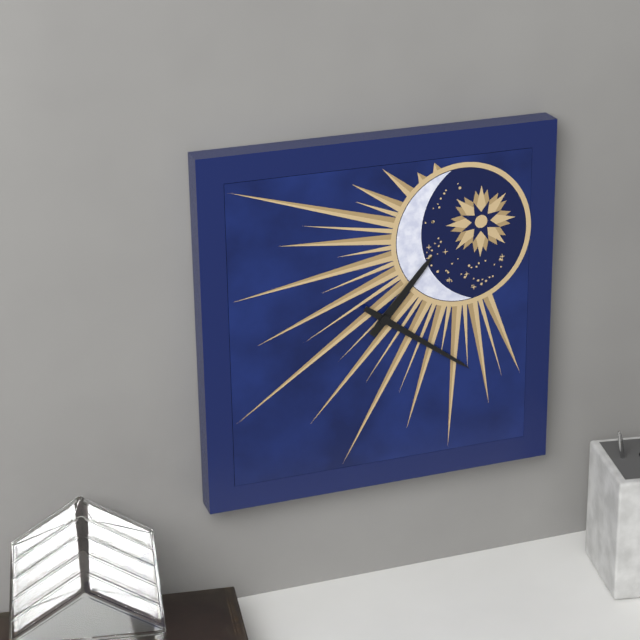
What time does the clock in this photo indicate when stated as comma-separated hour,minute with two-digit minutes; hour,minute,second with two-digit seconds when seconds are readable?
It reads 1,21
